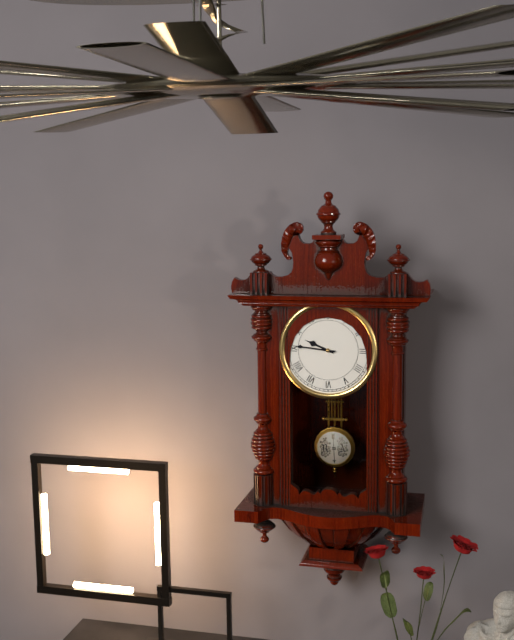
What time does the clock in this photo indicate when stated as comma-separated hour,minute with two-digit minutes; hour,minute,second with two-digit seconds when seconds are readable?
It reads 9,46
